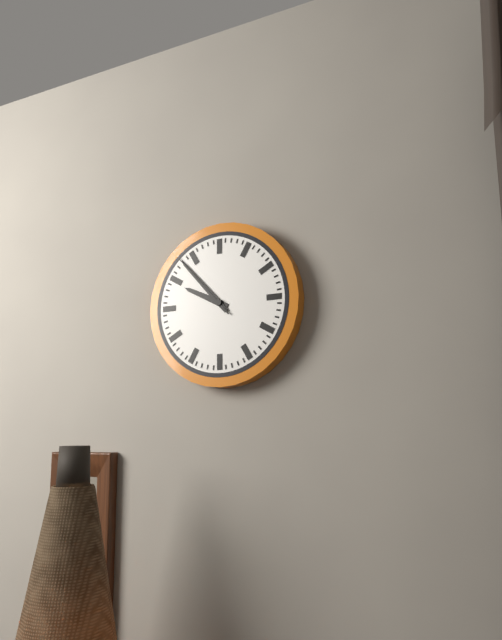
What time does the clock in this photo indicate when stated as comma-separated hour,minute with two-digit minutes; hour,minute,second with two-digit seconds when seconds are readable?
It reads 9,53,53
